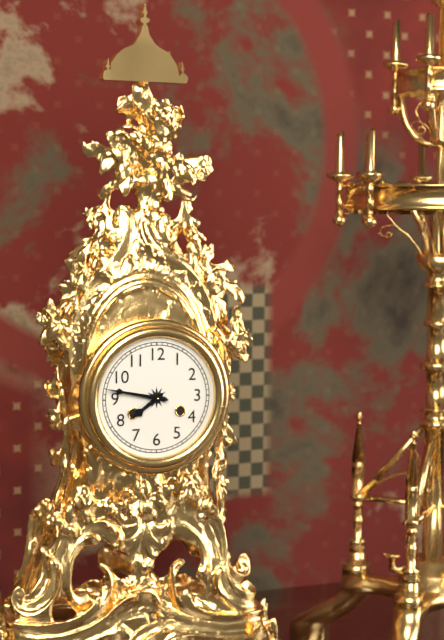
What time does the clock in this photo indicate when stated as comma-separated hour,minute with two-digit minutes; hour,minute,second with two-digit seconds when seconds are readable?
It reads 7,47
